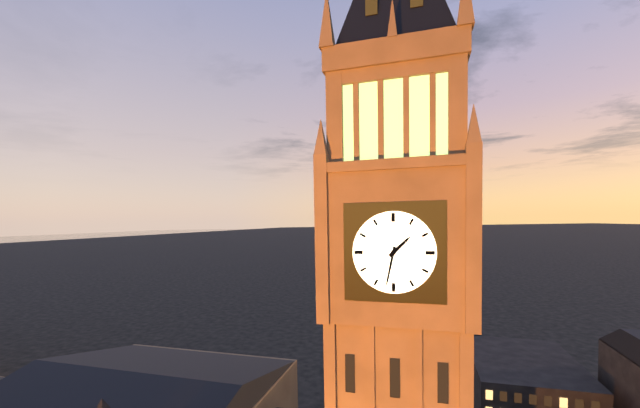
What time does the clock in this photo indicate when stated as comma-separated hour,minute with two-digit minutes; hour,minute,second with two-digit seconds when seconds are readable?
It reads 1,32
